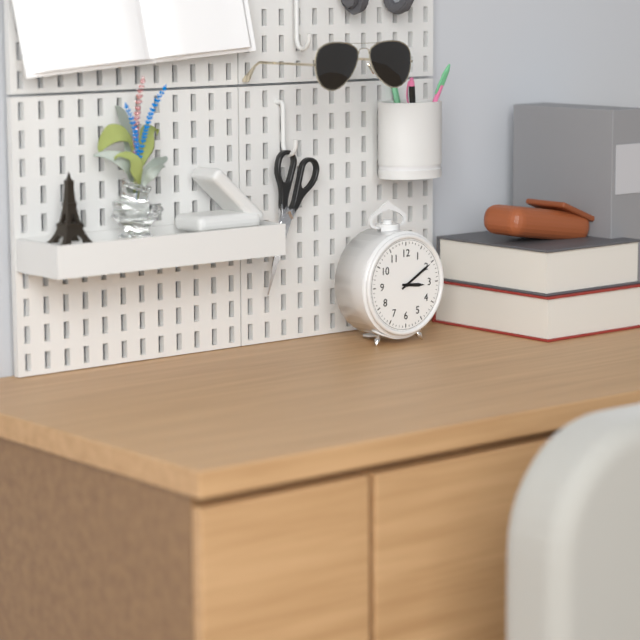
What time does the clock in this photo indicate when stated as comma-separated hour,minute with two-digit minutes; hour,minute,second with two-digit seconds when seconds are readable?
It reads 3,10
